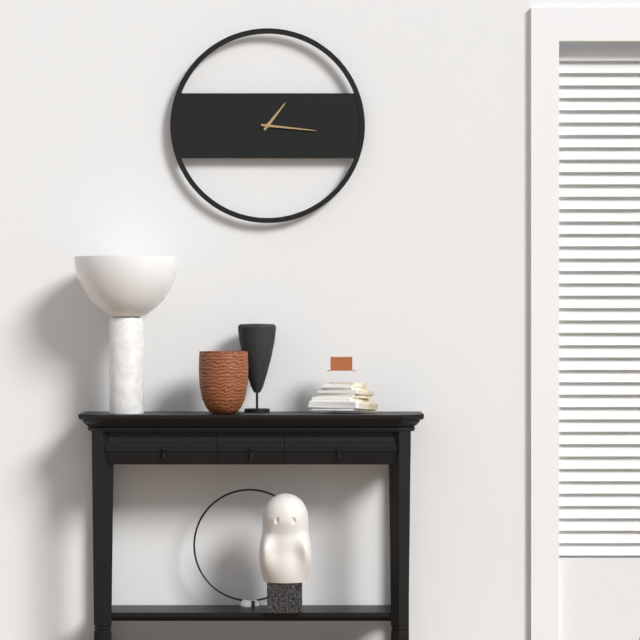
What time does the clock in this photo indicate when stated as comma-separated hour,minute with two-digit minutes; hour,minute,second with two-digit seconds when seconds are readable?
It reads 1,16
